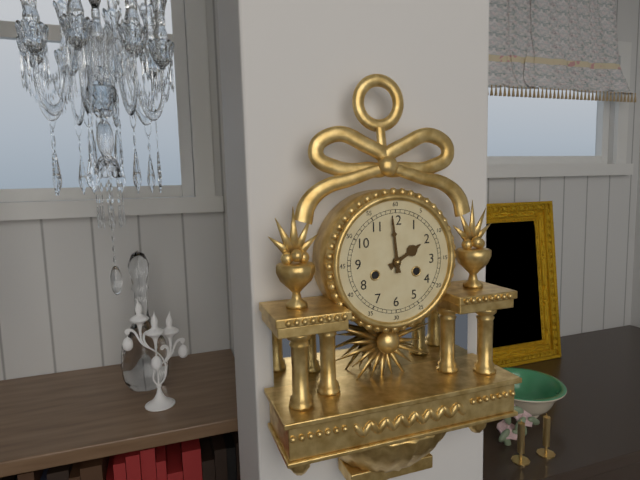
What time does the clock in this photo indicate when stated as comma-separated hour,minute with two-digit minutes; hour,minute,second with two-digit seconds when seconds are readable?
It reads 1,59
